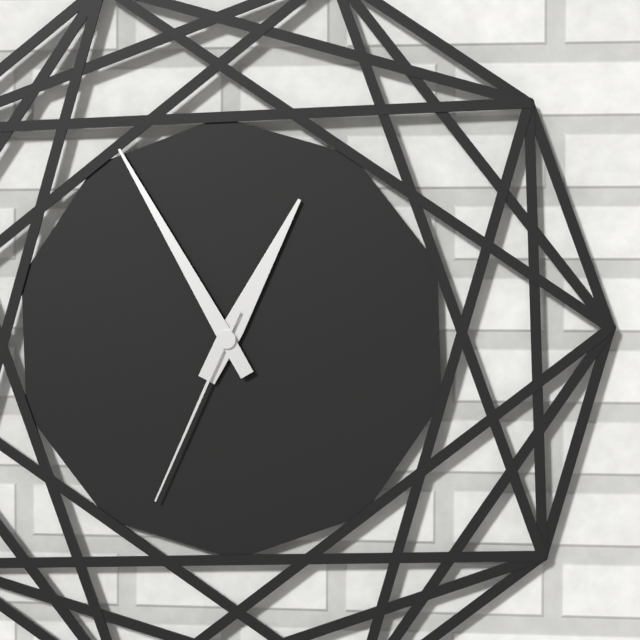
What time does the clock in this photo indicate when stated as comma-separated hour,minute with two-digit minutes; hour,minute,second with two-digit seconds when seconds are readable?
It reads 12,55,34
